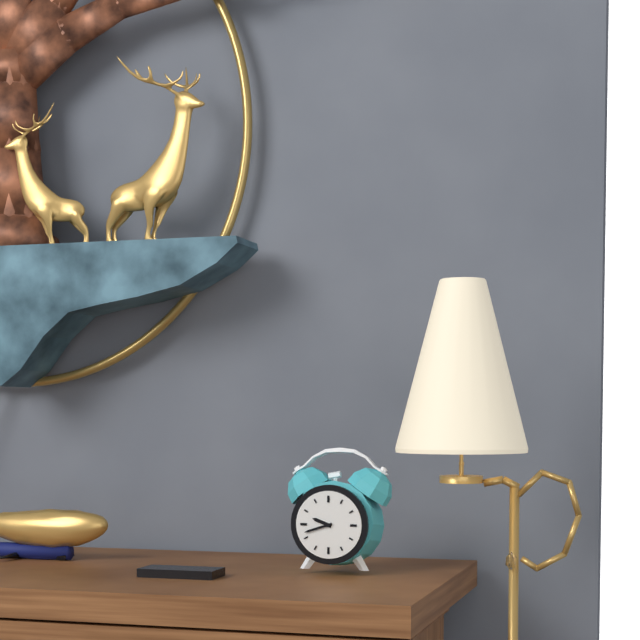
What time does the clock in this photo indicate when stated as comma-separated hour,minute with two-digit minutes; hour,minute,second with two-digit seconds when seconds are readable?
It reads 9,42
